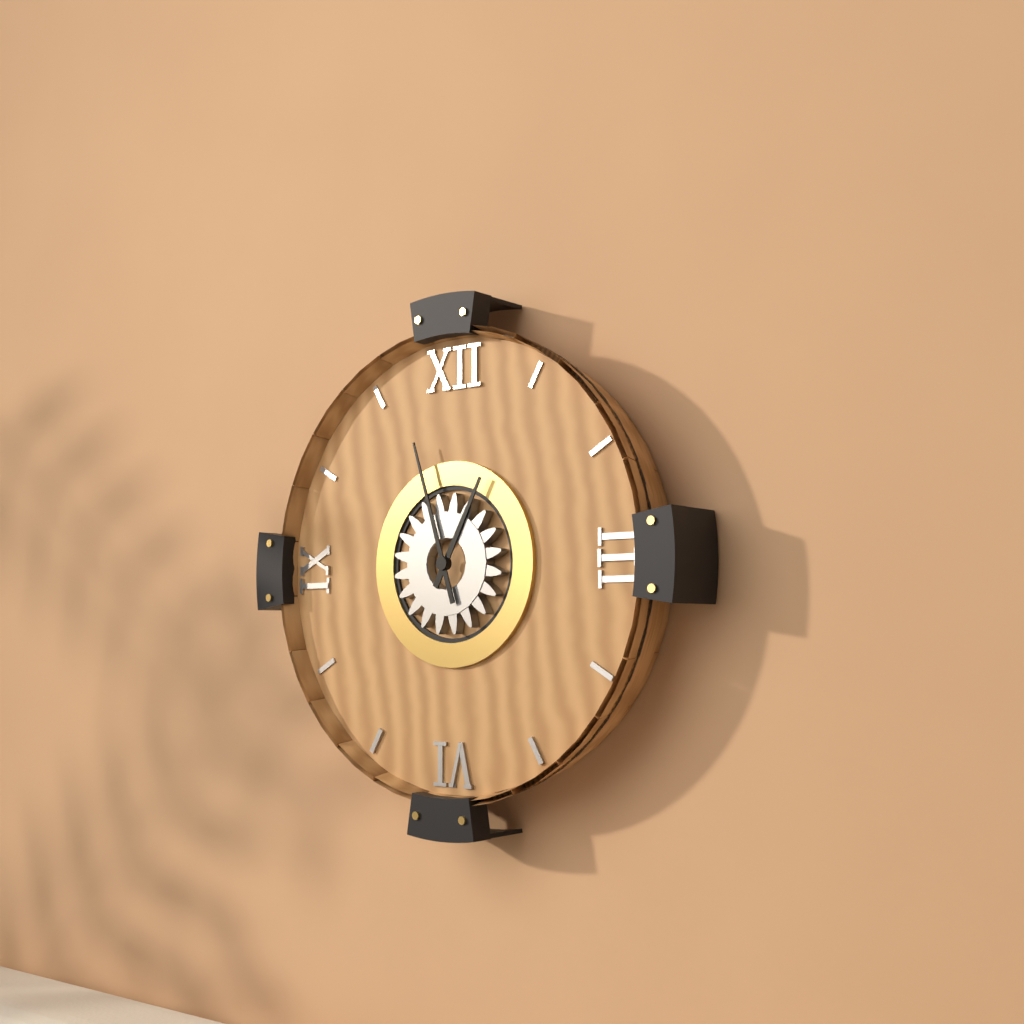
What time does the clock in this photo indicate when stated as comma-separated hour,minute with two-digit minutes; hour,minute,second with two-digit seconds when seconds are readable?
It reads 12,57
